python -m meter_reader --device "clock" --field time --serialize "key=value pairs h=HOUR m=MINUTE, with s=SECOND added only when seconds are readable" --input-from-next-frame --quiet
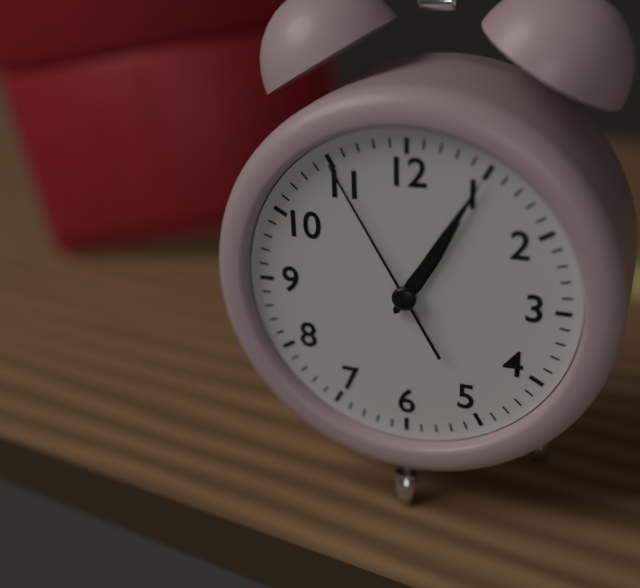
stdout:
h=1 m=5 s=55
